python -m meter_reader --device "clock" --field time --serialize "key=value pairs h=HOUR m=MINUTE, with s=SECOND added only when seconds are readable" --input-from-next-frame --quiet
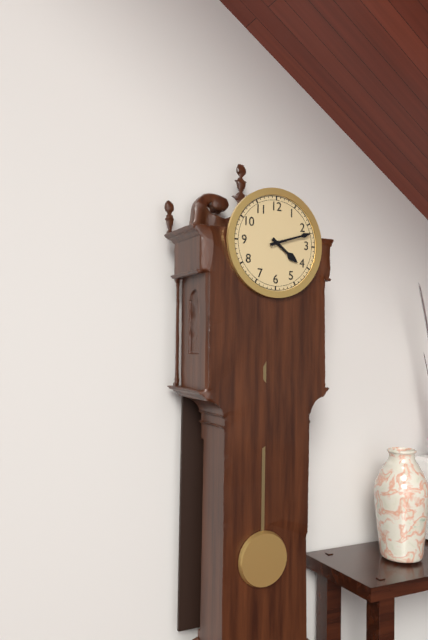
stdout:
h=4 m=12
